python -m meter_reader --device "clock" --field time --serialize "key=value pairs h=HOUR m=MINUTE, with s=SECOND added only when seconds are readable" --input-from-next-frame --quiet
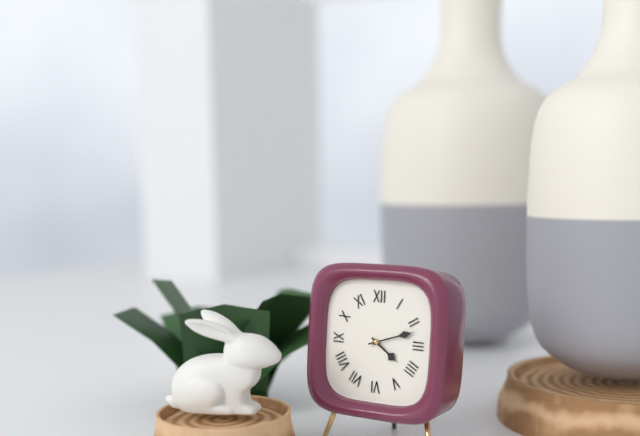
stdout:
h=4 m=12
